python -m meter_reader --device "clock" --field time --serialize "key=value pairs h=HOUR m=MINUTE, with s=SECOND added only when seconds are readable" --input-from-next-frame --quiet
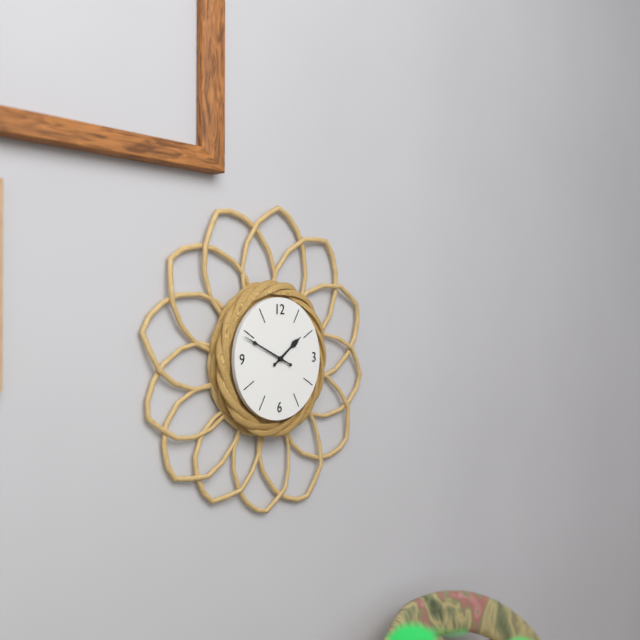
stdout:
h=1 m=49
